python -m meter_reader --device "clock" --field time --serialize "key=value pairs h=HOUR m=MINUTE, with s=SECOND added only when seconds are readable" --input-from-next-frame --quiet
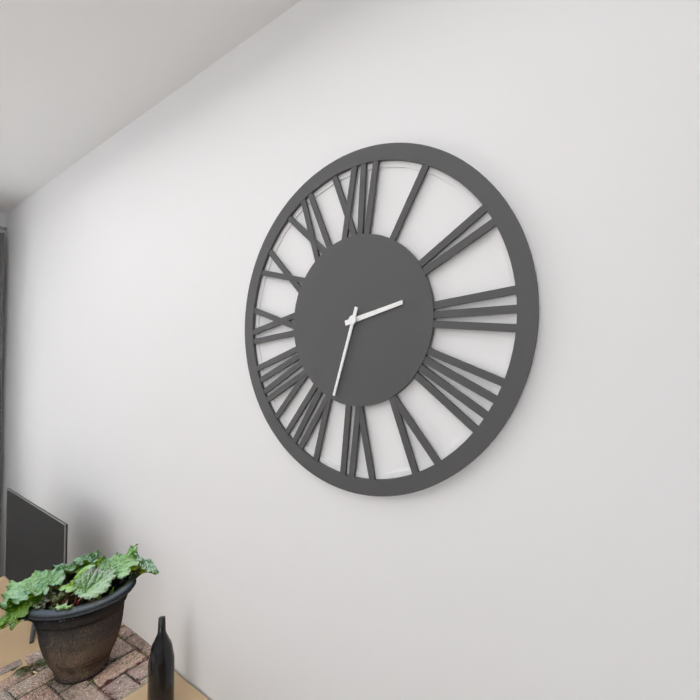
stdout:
h=2 m=33
